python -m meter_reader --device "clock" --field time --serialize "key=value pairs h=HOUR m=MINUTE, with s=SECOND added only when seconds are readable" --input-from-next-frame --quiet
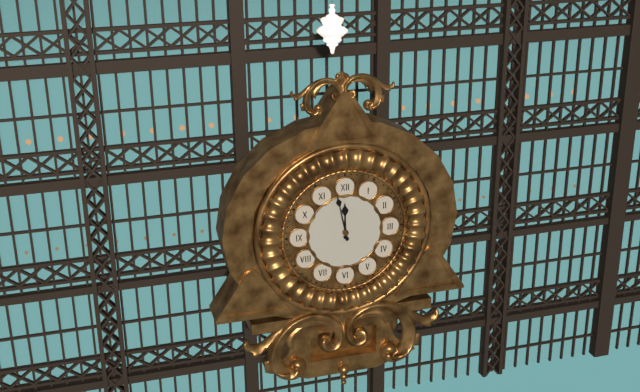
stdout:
h=11 m=58
